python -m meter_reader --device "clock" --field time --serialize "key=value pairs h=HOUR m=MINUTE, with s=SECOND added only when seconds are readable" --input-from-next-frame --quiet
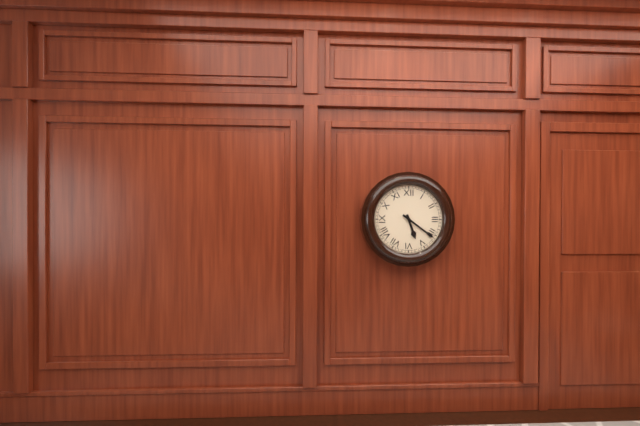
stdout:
h=5 m=21
